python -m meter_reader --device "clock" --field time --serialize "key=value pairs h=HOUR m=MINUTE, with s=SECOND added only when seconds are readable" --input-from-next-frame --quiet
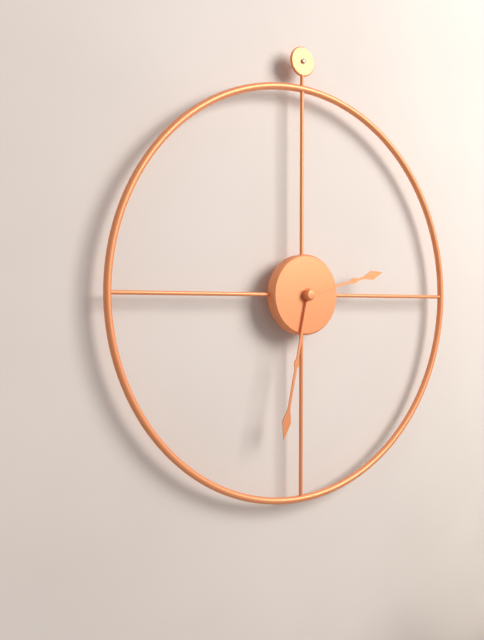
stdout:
h=2 m=32
